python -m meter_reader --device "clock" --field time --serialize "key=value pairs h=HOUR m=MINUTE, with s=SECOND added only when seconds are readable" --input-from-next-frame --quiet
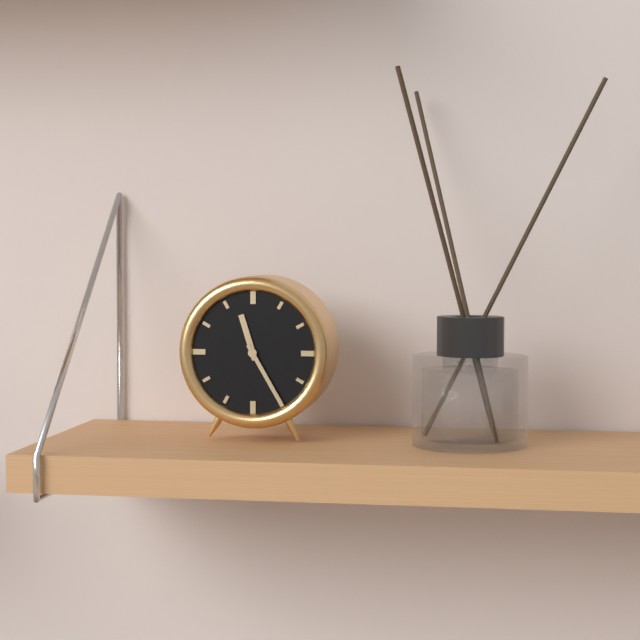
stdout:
h=11 m=25
